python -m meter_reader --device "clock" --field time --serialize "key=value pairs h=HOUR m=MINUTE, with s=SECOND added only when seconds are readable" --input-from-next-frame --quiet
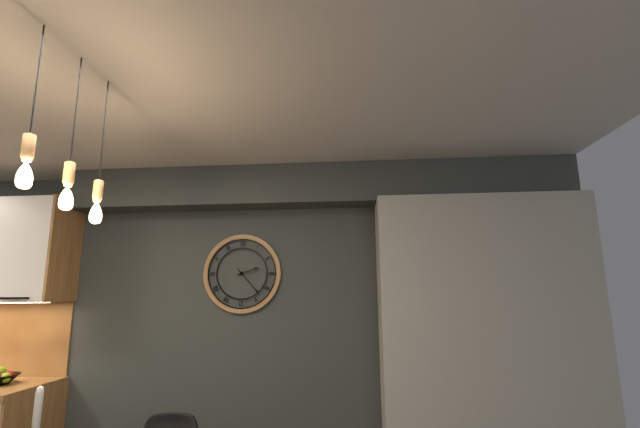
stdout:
h=2 m=23
